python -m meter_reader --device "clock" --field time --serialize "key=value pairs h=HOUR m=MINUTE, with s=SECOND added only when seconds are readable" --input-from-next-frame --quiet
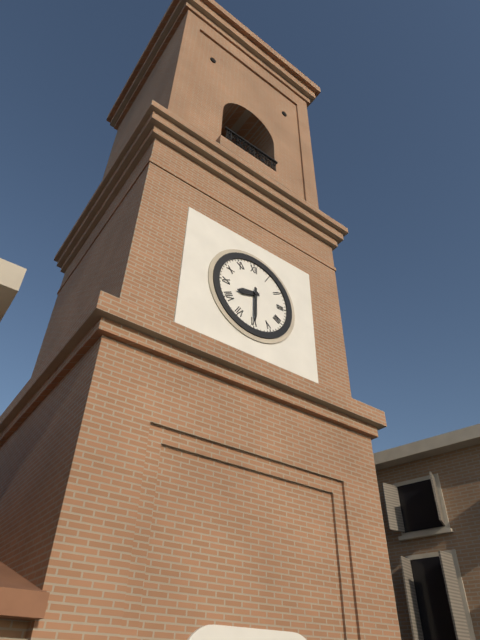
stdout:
h=8 m=30
